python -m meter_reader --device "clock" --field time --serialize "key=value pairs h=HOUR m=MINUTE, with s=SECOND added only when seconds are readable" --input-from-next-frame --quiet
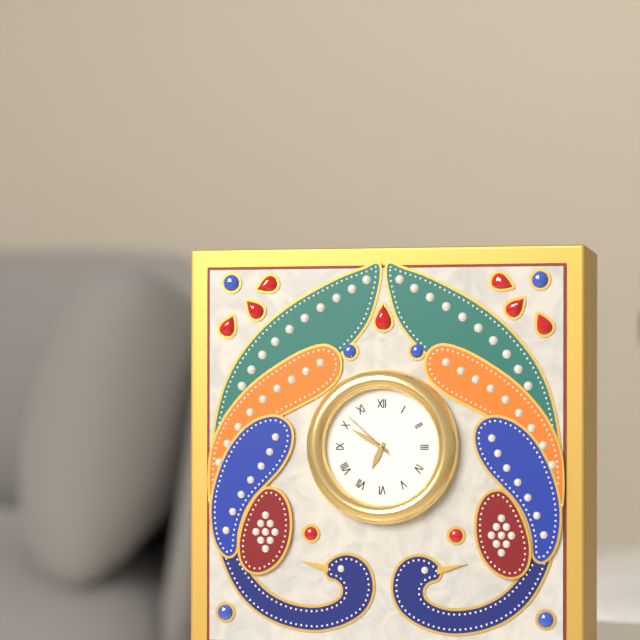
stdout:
h=6 m=50 s=52
